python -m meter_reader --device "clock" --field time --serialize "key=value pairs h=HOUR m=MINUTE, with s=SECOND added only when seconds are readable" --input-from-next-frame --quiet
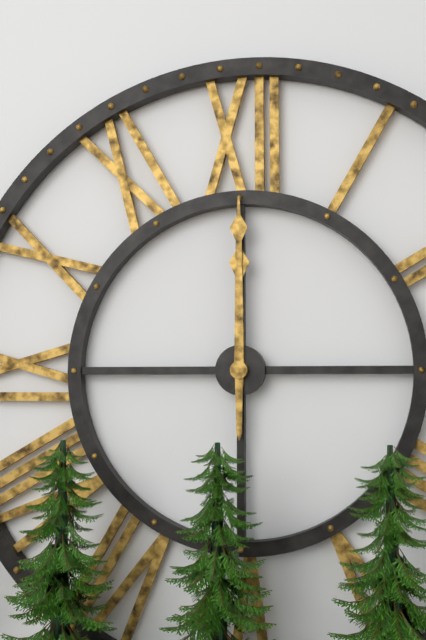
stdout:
h=12 m=0
